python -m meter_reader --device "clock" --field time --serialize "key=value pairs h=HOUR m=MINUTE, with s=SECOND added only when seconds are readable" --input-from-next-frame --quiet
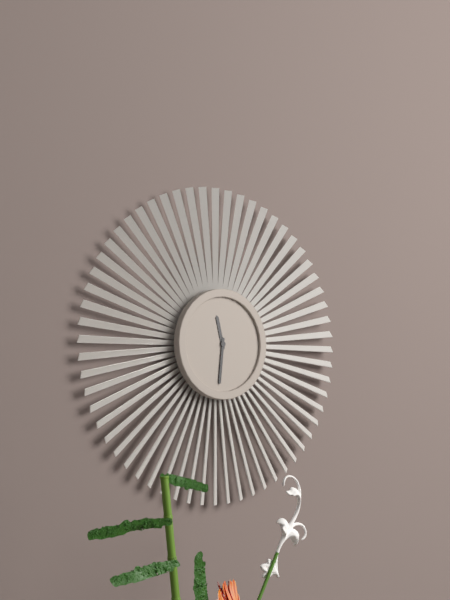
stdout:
h=11 m=31
